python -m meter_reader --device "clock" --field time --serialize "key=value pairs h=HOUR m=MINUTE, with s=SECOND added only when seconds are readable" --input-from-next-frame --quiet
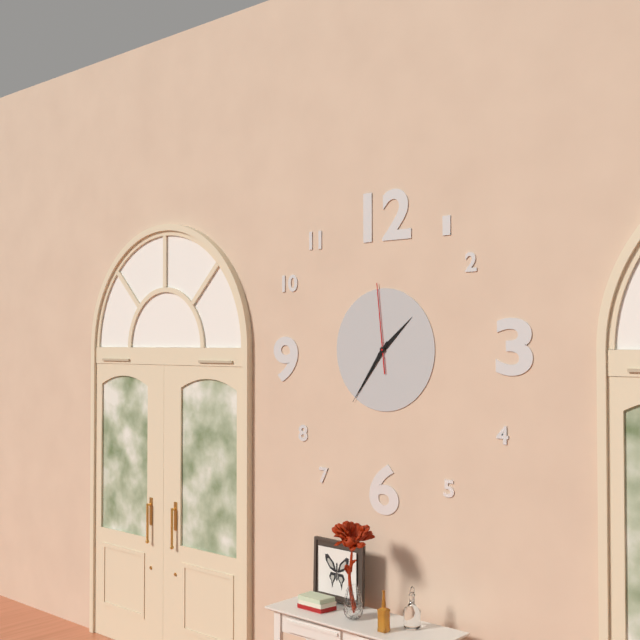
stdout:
h=1 m=36 s=59
